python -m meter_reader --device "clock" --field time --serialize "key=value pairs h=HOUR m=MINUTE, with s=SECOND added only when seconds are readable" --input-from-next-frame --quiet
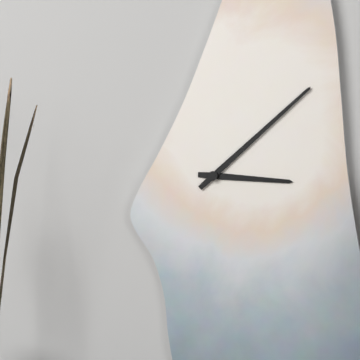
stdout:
h=3 m=8
